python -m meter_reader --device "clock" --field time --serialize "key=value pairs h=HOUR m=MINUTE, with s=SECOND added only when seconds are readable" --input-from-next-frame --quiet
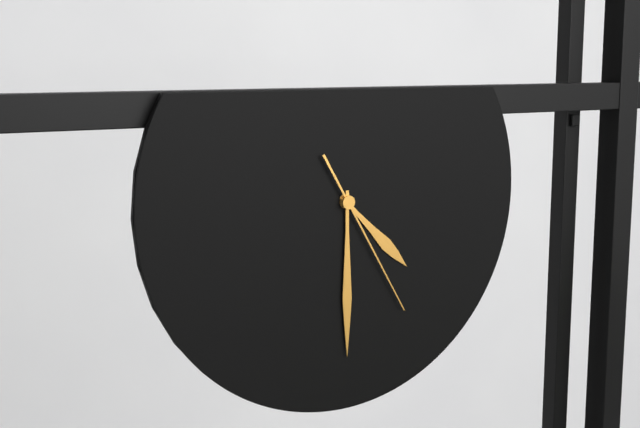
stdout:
h=4 m=30 s=25
